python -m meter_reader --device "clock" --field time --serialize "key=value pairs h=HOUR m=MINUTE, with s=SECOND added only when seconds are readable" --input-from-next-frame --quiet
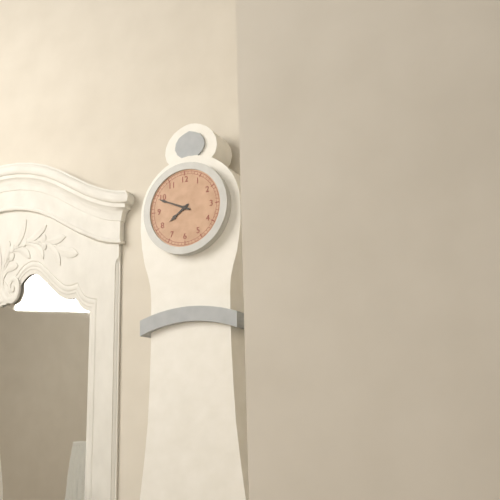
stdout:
h=7 m=49
